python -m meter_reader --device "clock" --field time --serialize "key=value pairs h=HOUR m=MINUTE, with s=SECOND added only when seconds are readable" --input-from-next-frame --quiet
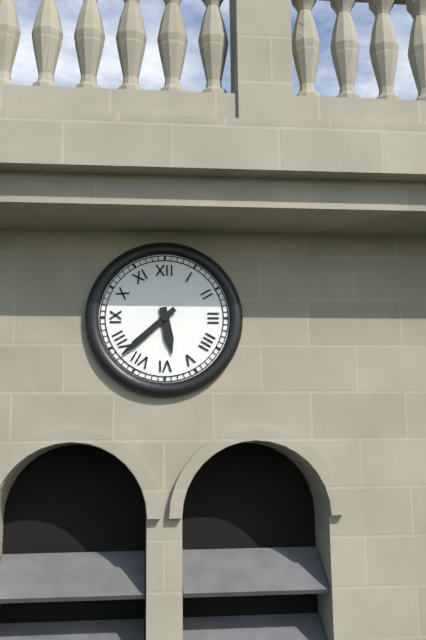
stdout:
h=5 m=38
